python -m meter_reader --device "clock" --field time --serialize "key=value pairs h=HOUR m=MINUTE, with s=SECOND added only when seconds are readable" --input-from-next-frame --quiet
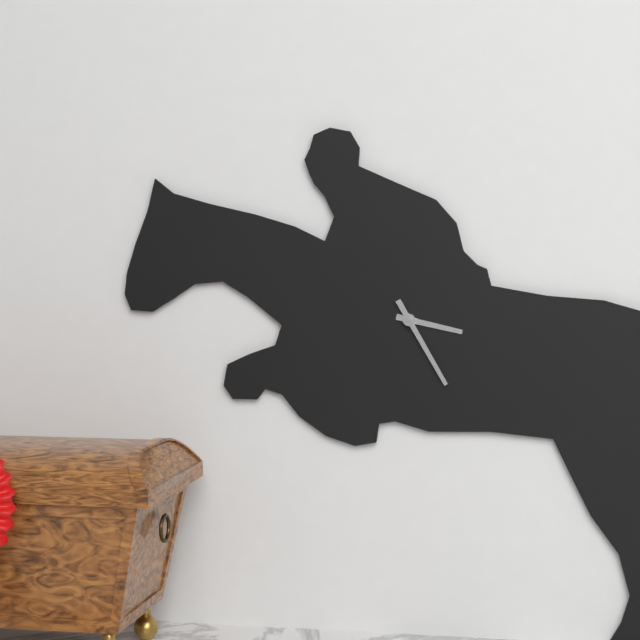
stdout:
h=3 m=25
